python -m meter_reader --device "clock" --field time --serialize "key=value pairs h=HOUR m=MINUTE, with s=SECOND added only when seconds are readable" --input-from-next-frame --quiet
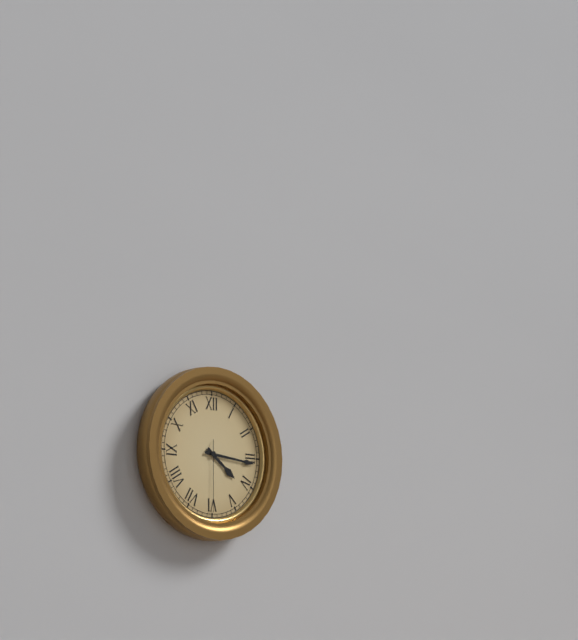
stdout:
h=4 m=16 s=30
